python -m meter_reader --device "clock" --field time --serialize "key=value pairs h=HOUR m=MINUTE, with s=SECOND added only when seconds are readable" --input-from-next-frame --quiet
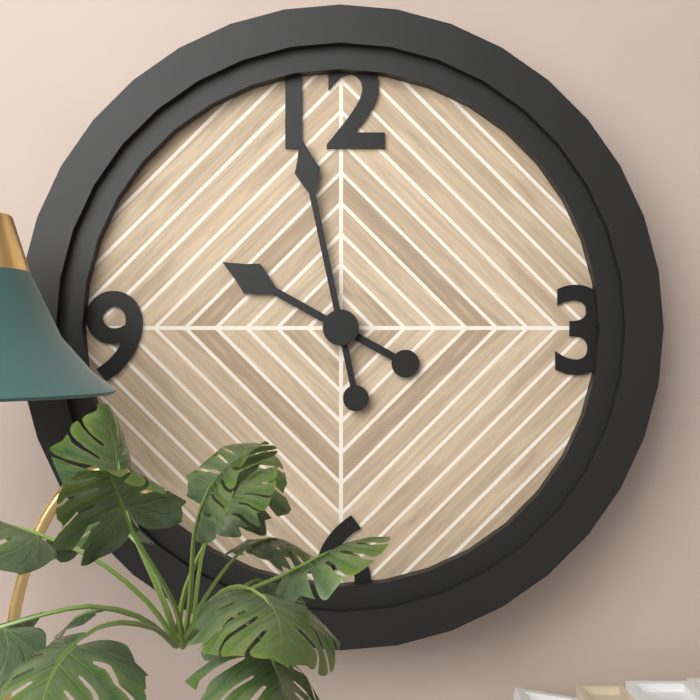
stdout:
h=9 m=58
